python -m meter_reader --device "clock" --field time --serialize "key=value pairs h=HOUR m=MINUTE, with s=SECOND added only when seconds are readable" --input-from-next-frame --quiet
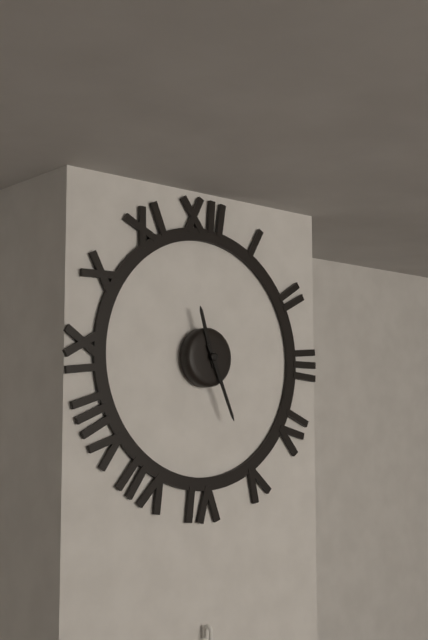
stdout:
h=11 m=26
